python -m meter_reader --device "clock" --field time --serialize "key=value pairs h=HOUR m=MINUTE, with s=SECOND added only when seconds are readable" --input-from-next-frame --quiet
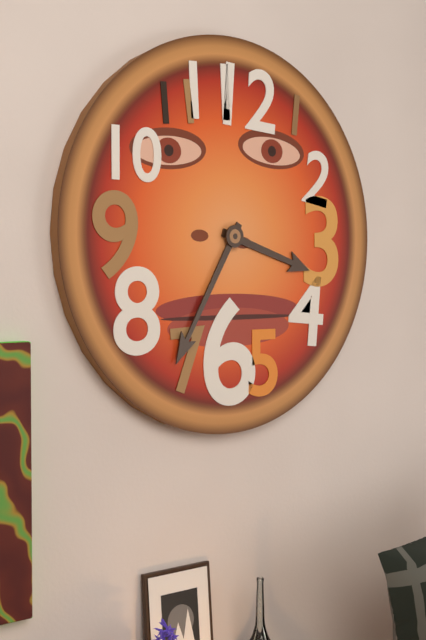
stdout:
h=3 m=35
